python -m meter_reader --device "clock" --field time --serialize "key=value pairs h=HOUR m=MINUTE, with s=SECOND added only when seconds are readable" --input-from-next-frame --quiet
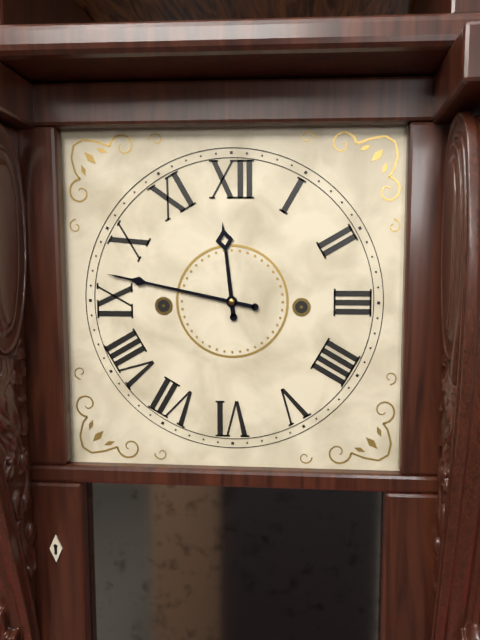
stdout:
h=11 m=47
